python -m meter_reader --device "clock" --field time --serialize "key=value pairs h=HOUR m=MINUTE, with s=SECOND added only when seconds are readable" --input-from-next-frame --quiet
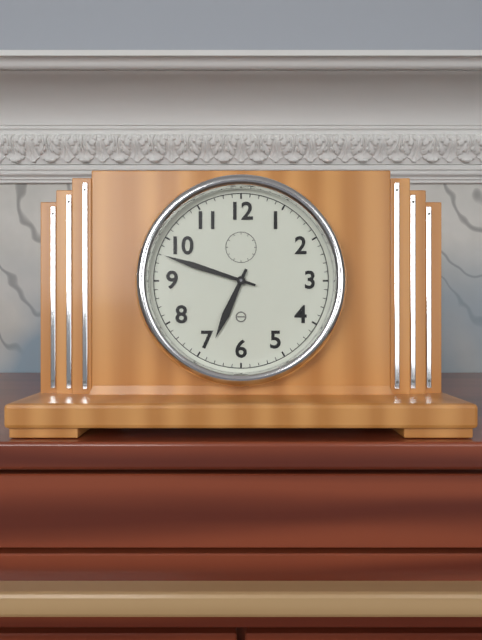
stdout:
h=6 m=48
